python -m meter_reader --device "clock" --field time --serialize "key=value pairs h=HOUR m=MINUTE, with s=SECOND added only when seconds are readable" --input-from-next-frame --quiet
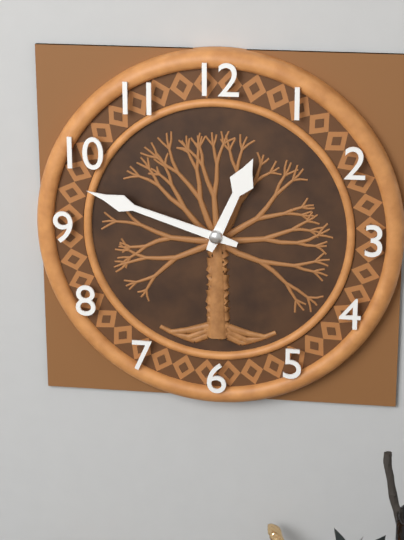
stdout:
h=12 m=48
